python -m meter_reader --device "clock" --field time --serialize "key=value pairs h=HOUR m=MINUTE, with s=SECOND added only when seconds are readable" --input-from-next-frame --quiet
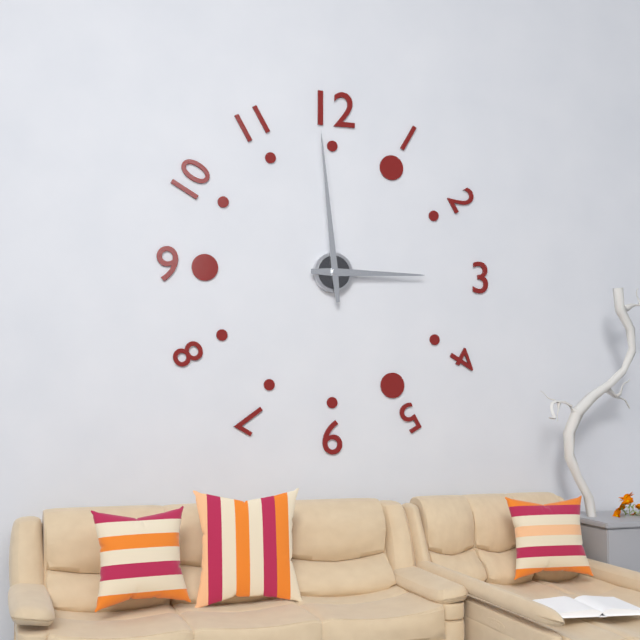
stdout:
h=2 m=59
